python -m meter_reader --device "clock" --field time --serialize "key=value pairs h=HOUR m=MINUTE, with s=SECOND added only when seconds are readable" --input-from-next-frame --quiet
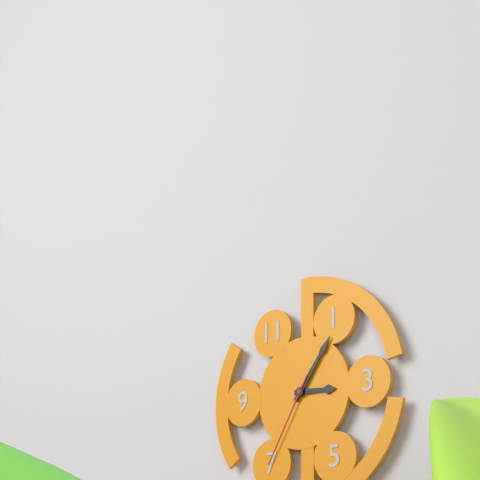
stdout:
h=3 m=6 s=35
